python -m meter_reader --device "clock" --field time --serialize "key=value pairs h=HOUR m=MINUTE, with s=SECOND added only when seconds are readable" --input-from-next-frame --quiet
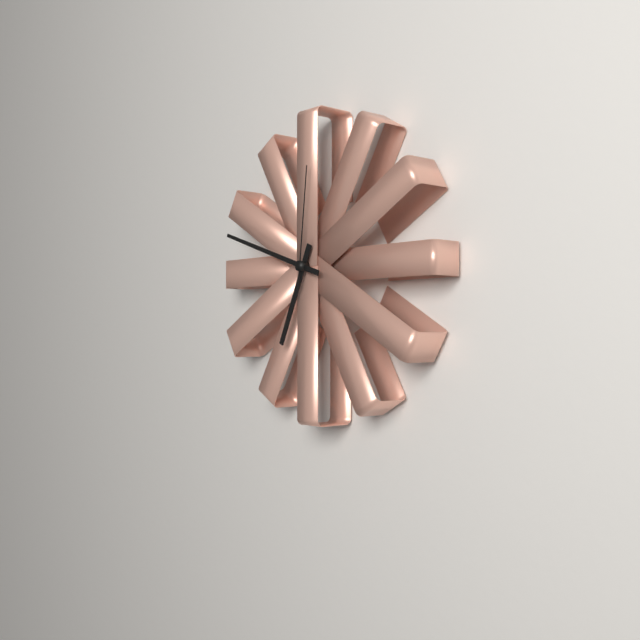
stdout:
h=6 m=48 s=1
